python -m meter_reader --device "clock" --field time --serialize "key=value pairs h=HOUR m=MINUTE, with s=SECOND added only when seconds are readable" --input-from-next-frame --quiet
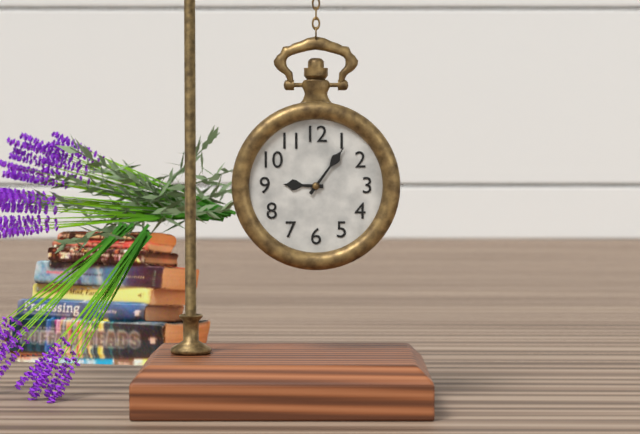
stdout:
h=9 m=6
